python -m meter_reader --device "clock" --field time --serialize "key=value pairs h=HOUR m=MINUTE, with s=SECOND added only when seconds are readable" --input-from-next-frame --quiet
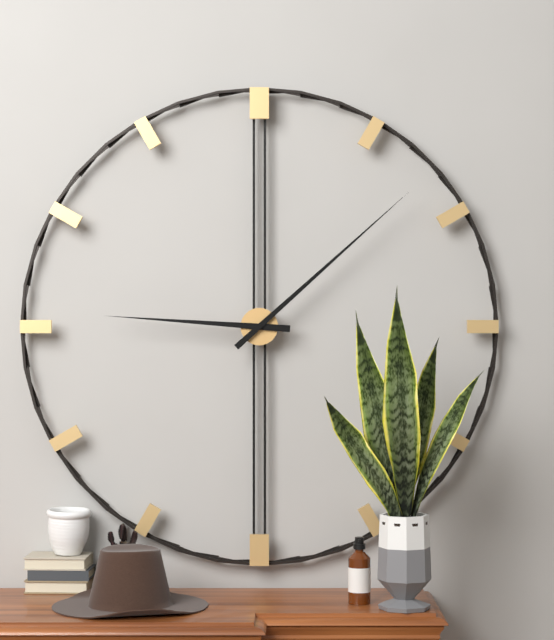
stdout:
h=9 m=8
